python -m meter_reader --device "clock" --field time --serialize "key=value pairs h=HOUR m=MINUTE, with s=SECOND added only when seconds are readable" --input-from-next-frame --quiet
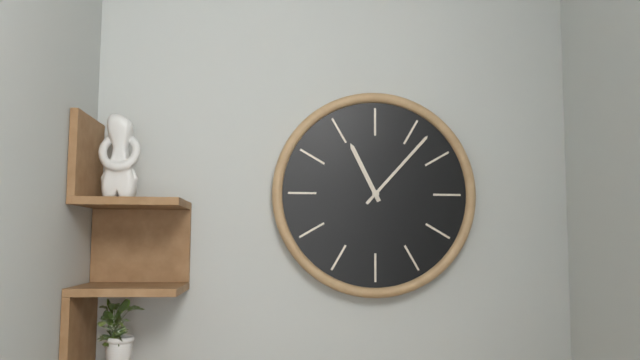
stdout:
h=11 m=7
